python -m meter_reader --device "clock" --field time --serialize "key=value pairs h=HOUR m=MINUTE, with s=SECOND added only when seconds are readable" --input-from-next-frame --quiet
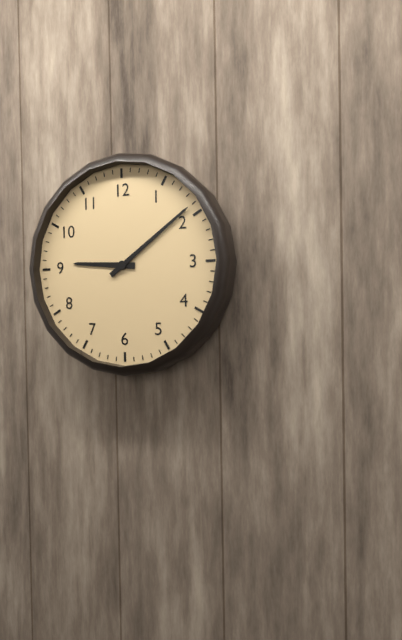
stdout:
h=9 m=9
